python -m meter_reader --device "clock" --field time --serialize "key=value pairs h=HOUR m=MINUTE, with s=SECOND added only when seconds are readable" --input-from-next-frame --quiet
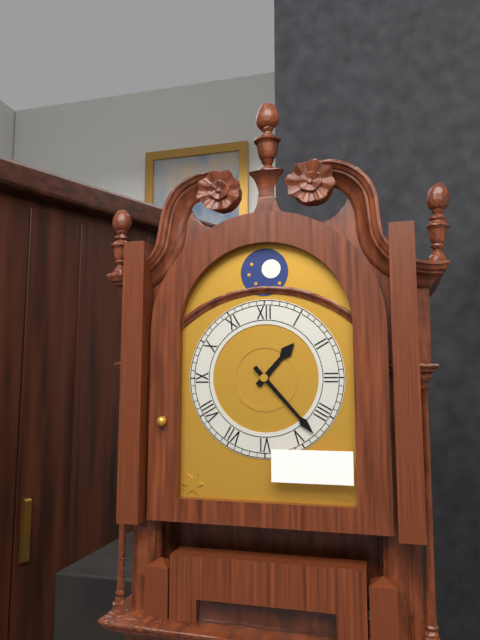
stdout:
h=1 m=23
